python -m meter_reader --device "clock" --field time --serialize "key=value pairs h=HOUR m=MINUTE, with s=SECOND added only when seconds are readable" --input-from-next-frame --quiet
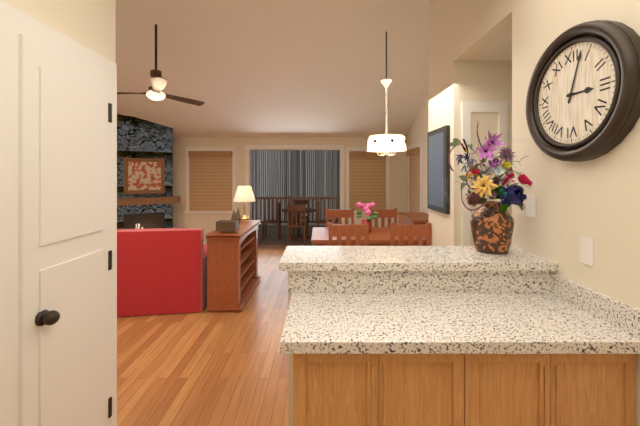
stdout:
h=3 m=3
